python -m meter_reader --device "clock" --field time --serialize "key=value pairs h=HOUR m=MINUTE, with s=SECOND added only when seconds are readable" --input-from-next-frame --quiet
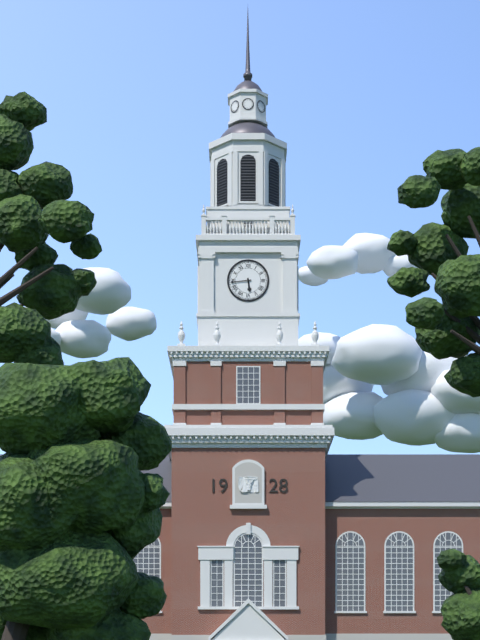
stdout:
h=5 m=44
